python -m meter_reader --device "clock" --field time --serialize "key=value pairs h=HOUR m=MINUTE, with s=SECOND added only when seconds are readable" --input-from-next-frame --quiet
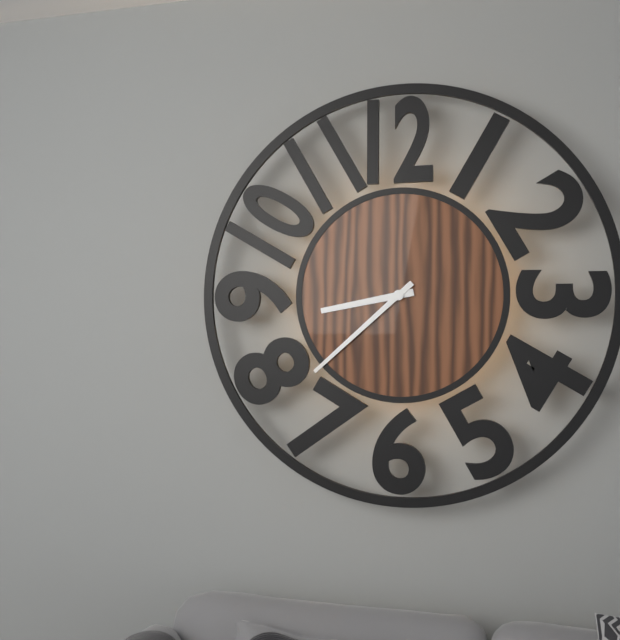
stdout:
h=8 m=38
